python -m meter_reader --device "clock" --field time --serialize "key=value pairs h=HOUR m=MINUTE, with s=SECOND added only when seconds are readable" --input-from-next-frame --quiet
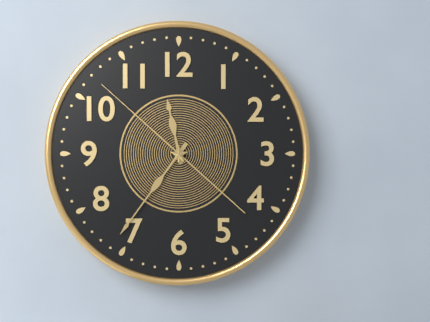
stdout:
h=11 m=36 s=52
